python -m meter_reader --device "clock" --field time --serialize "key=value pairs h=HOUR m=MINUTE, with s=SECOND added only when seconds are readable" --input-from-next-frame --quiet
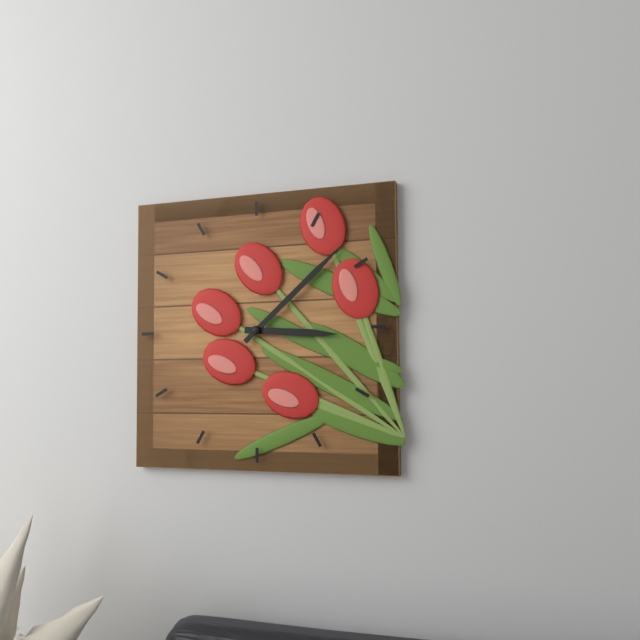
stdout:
h=3 m=8
